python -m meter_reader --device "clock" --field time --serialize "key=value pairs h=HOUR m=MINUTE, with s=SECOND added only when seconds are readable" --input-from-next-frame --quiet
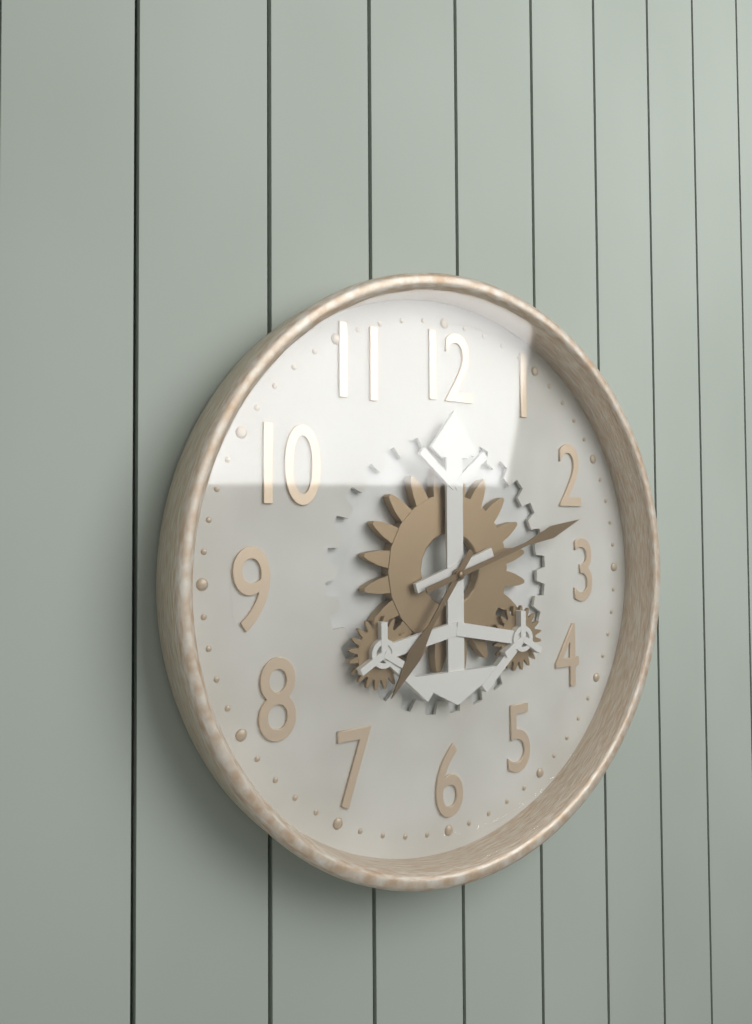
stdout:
h=7 m=12
